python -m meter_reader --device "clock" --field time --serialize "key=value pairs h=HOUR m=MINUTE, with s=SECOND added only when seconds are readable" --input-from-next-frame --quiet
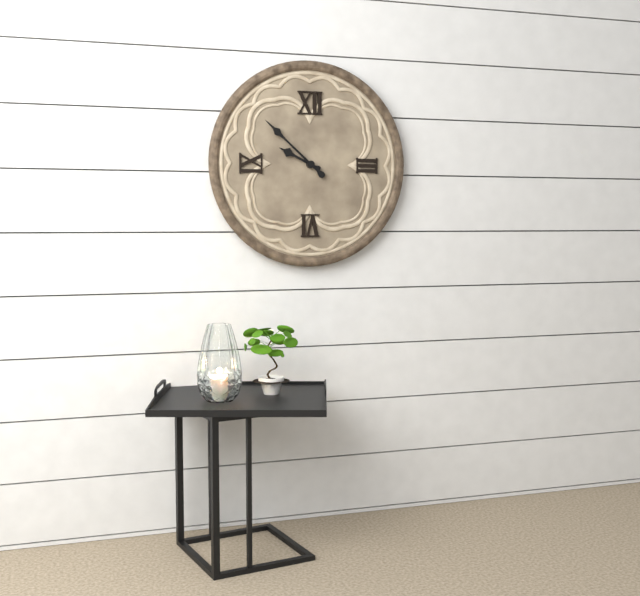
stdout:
h=9 m=52
